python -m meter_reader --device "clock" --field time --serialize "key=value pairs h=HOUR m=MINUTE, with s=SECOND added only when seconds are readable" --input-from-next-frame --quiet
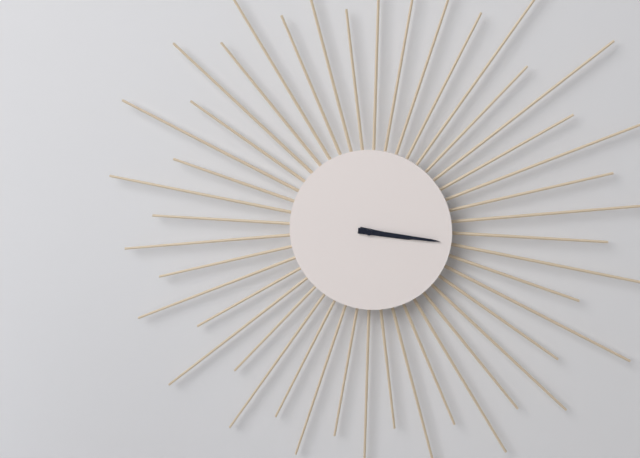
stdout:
h=3 m=16
